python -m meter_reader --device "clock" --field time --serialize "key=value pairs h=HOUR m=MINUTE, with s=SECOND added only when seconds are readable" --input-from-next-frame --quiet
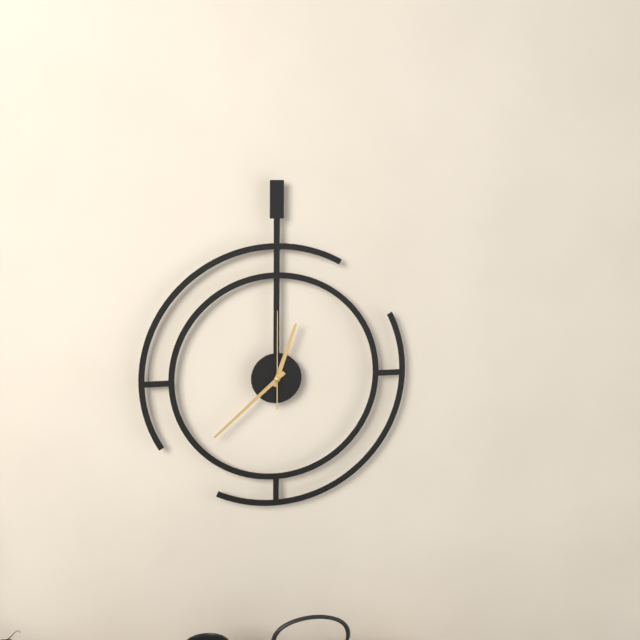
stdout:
h=12 m=38 s=0
